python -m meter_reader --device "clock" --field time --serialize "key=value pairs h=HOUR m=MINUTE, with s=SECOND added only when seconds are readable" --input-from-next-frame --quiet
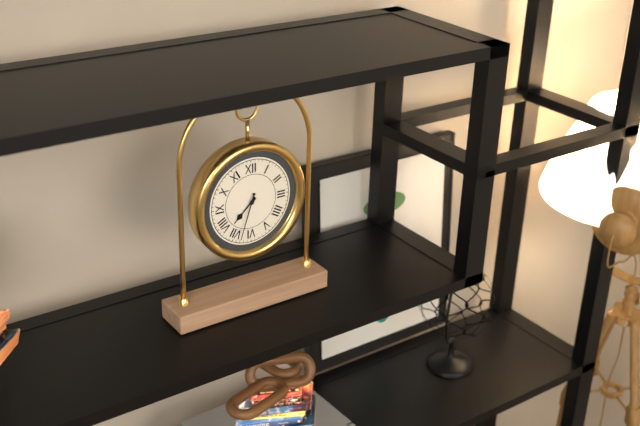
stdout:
h=7 m=33
